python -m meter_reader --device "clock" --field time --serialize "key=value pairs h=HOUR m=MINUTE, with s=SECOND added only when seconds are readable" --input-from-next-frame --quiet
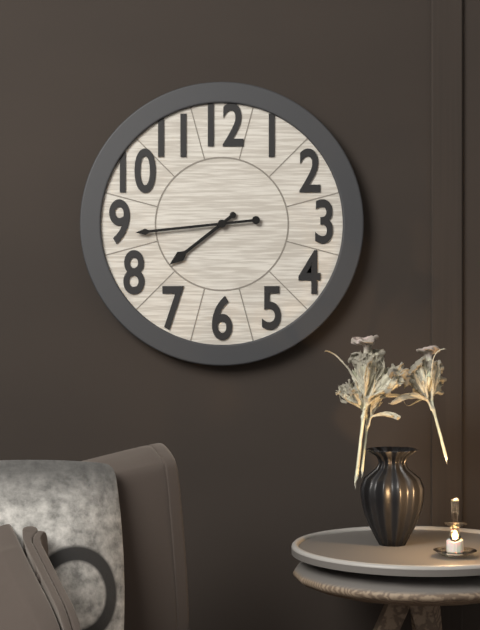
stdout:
h=7 m=44
